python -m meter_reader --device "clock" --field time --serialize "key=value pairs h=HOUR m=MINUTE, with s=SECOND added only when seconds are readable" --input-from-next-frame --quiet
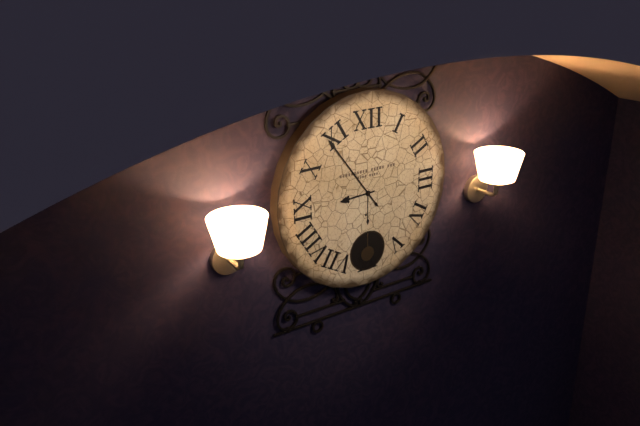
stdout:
h=8 m=54
